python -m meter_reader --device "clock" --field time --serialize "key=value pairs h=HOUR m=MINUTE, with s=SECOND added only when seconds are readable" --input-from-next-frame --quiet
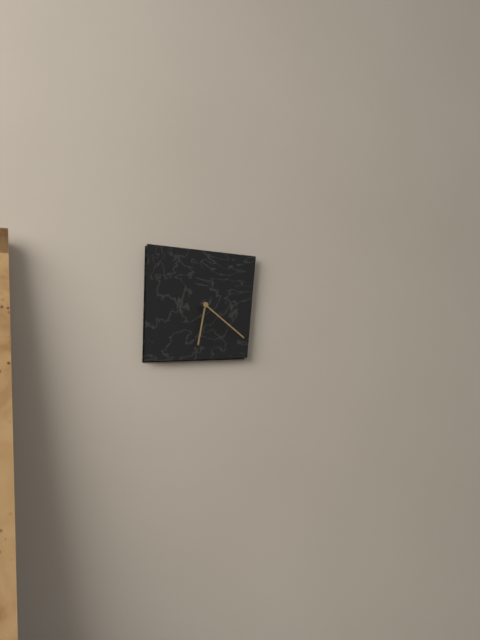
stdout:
h=6 m=21
